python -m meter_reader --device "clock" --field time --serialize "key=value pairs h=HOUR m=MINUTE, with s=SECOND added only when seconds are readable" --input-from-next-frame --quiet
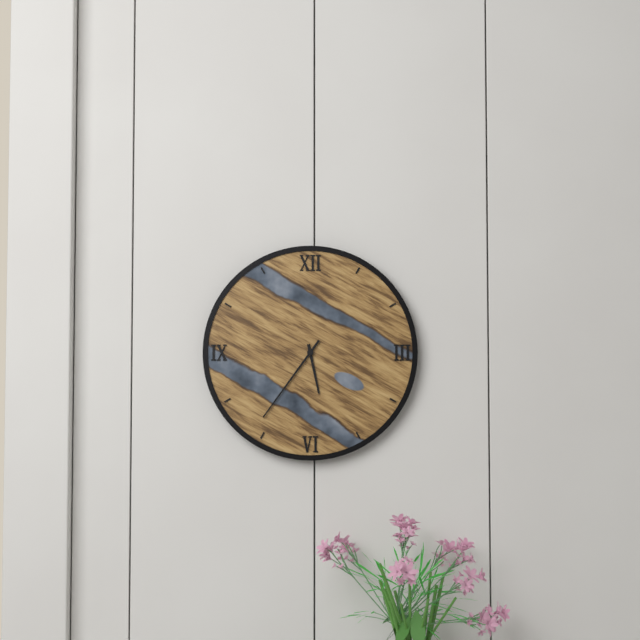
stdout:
h=5 m=36
